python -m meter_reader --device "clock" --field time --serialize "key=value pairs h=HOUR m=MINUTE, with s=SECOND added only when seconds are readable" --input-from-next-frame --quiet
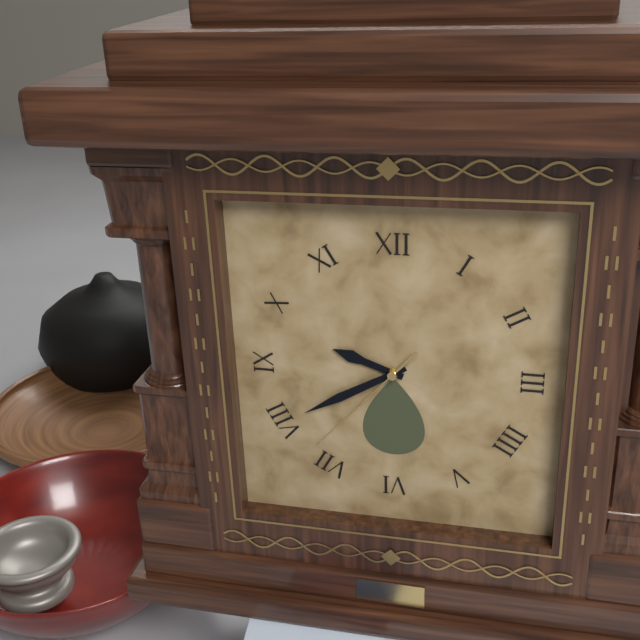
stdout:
h=9 m=40 s=37
